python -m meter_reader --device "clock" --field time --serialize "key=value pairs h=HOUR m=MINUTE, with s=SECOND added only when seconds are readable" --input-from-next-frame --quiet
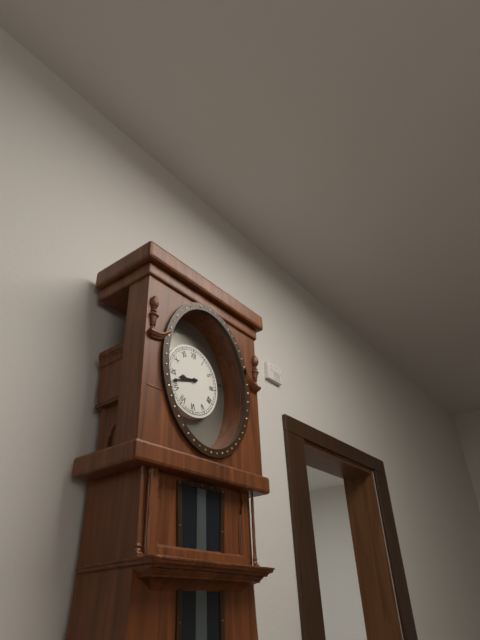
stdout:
h=8 m=42
